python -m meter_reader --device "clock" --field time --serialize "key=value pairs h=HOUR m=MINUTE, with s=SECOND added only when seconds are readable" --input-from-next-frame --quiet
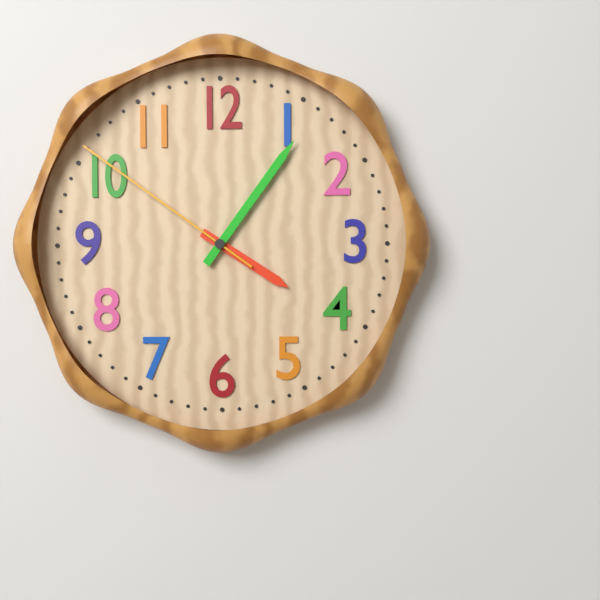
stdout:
h=4 m=6 s=51
